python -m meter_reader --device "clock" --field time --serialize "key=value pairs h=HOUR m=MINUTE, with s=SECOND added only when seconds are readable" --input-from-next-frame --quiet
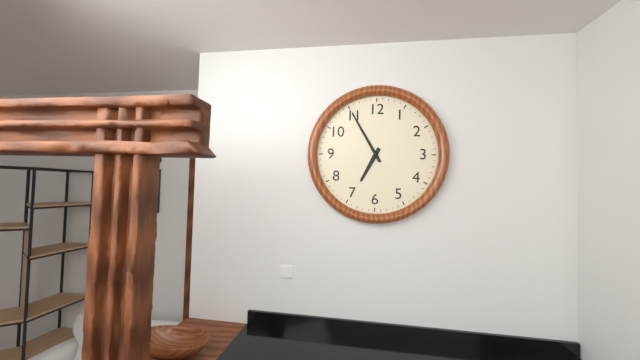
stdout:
h=6 m=55
